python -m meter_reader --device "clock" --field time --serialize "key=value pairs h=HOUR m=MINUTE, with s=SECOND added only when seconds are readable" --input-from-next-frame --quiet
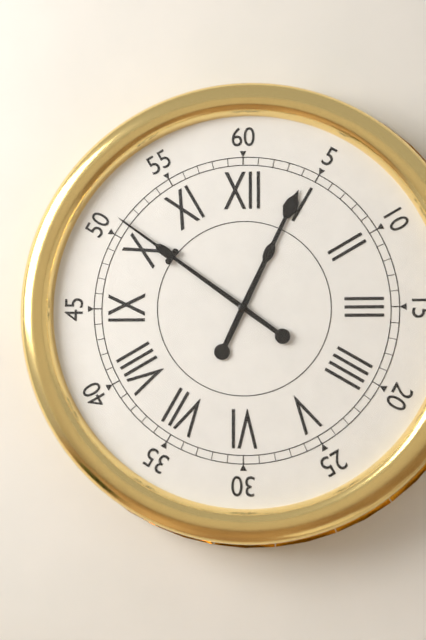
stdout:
h=12 m=51
